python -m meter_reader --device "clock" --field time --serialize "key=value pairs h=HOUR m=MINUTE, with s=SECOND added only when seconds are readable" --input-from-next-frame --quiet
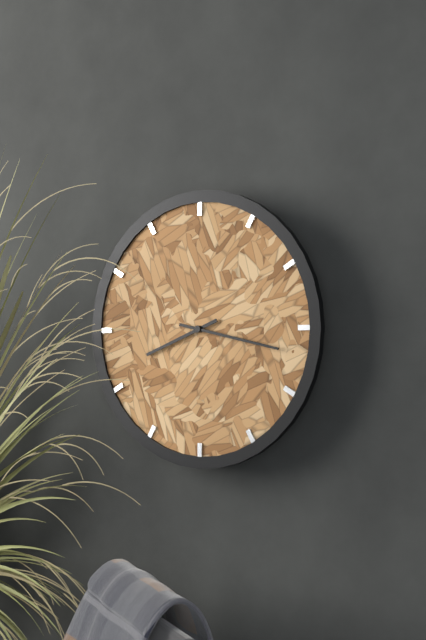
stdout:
h=8 m=17
